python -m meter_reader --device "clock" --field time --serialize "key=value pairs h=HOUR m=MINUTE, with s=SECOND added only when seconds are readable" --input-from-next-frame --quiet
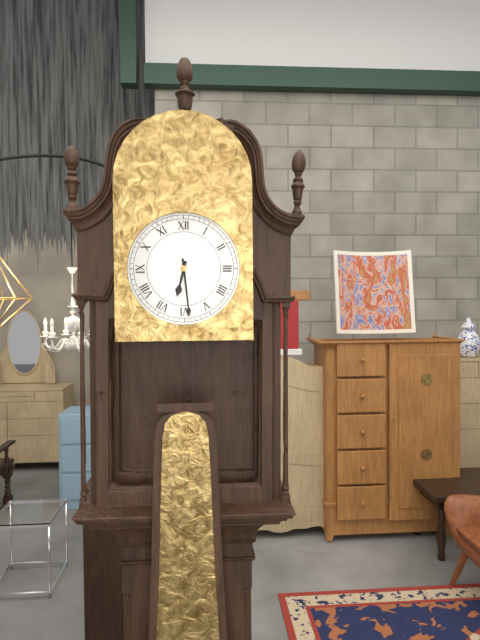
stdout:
h=6 m=29
